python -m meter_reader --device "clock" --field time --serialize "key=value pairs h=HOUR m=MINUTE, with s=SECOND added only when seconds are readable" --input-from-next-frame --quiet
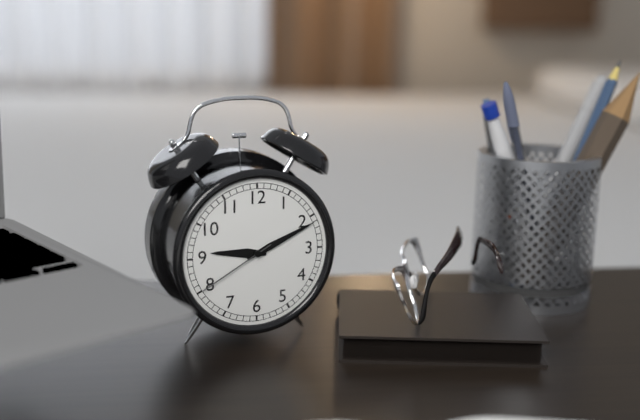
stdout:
h=9 m=11 s=40
